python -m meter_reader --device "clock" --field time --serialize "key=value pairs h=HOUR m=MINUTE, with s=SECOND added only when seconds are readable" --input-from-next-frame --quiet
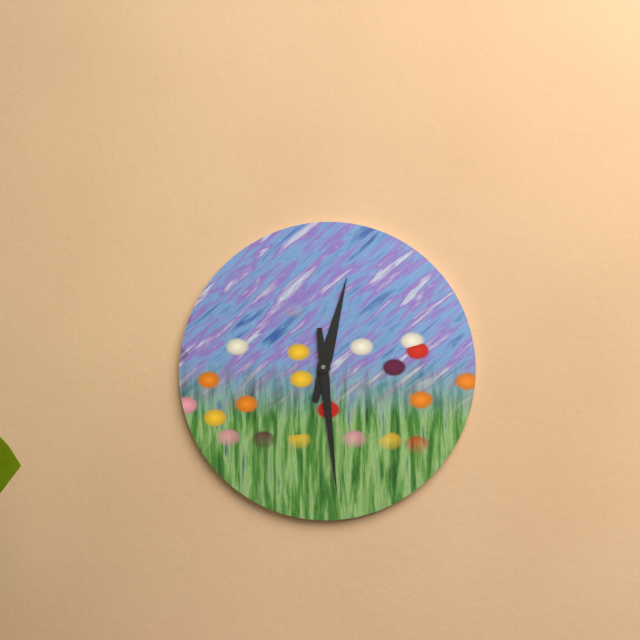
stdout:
h=12 m=29
